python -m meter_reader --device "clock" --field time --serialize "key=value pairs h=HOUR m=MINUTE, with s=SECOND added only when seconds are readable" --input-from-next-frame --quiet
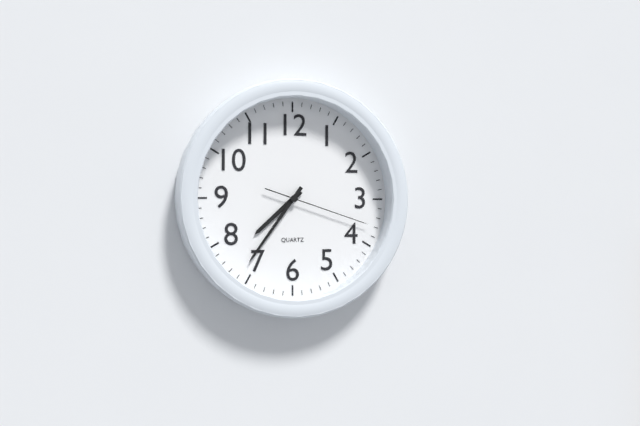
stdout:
h=7 m=36 s=18
